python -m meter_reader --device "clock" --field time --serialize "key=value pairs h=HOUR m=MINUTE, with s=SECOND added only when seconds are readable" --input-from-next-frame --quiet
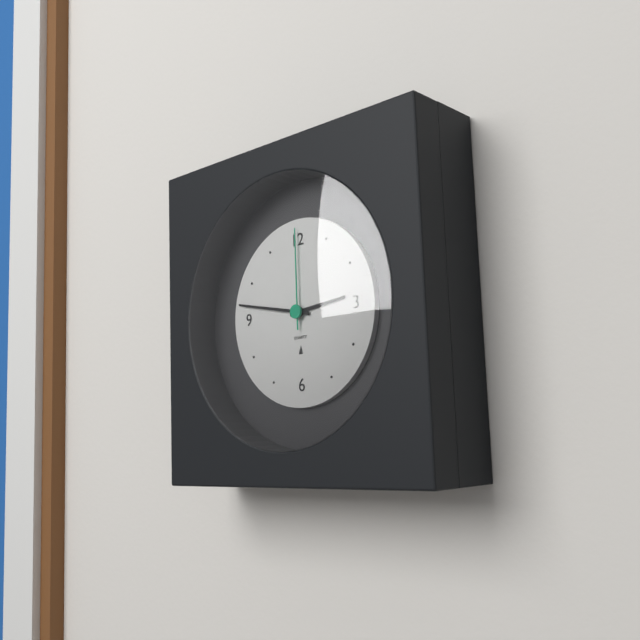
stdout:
h=2 m=47 s=0
